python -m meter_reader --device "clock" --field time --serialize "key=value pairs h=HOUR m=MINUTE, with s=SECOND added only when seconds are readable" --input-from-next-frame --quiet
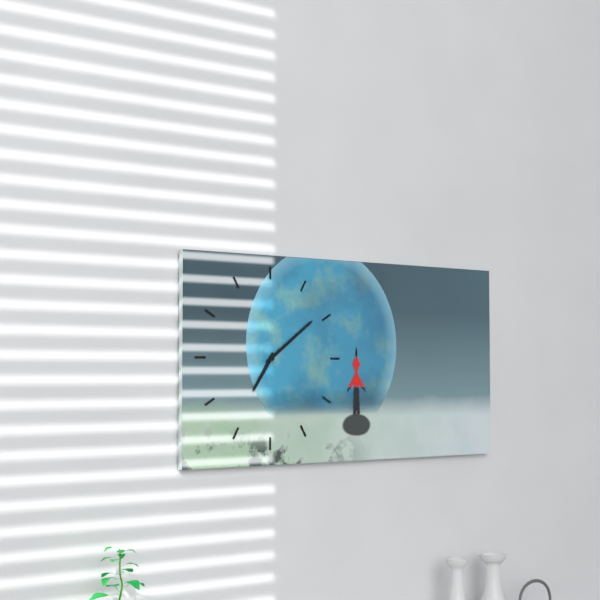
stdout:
h=7 m=9
